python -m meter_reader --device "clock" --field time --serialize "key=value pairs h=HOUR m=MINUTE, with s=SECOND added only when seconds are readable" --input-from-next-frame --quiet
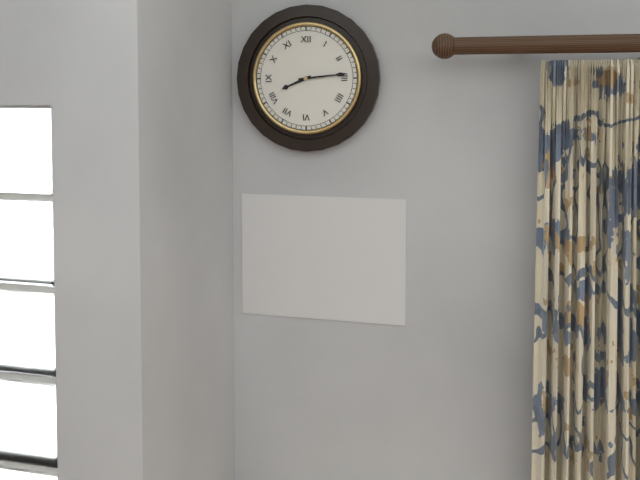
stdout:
h=8 m=14
